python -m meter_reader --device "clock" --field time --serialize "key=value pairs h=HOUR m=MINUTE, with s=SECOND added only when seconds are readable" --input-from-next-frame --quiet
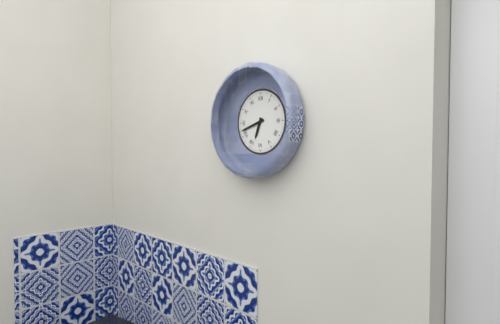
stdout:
h=6 m=42
